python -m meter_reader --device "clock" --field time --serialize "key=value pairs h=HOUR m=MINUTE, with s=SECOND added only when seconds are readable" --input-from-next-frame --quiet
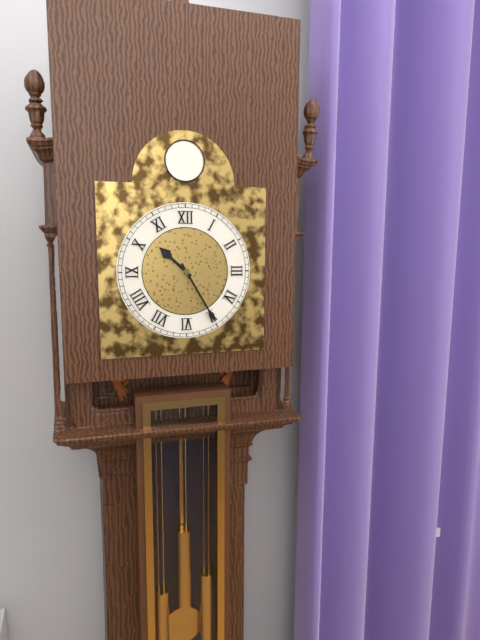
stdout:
h=10 m=25
